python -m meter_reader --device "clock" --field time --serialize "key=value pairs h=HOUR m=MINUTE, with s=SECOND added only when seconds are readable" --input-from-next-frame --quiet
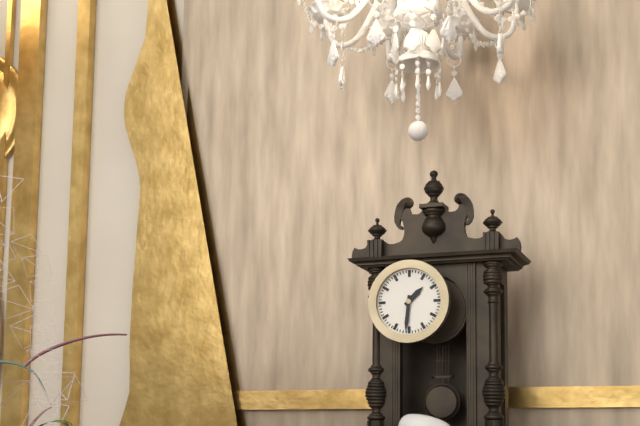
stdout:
h=1 m=31
